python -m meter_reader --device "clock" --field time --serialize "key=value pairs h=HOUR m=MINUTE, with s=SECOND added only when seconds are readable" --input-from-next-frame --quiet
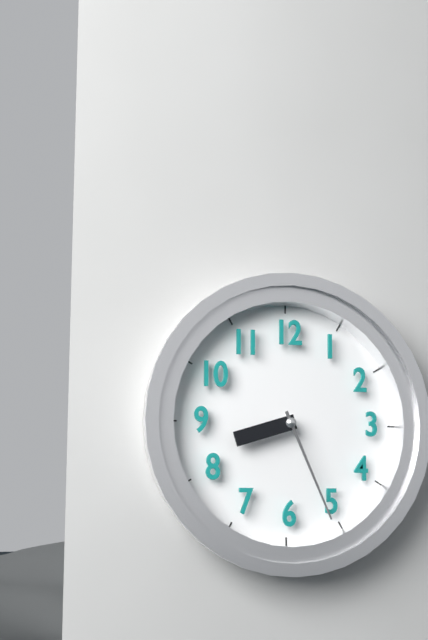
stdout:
h=8 m=26
